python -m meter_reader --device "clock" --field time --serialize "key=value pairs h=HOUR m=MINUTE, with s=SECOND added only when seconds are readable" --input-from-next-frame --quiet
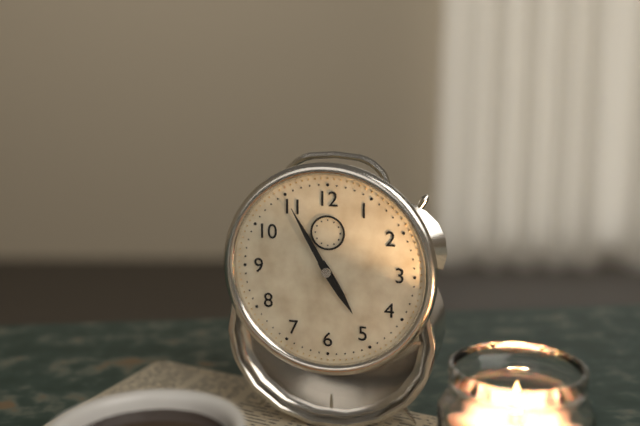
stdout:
h=4 m=55
